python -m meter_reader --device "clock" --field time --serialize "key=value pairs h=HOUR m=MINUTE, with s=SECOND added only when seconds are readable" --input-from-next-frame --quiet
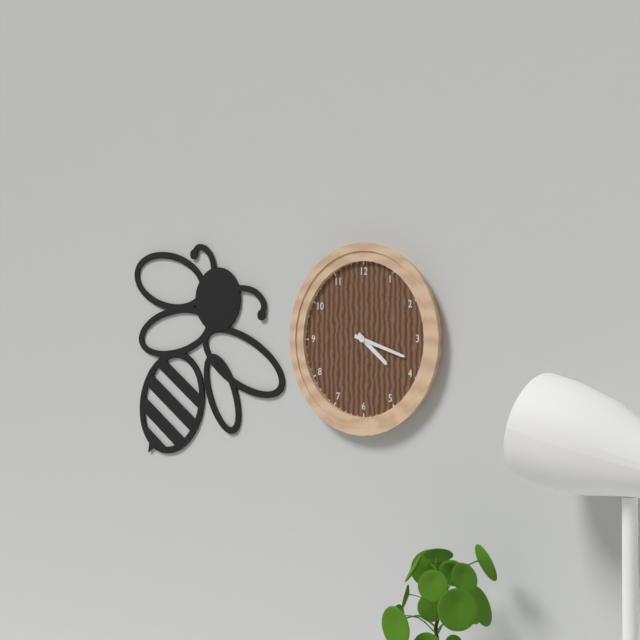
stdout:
h=4 m=18
